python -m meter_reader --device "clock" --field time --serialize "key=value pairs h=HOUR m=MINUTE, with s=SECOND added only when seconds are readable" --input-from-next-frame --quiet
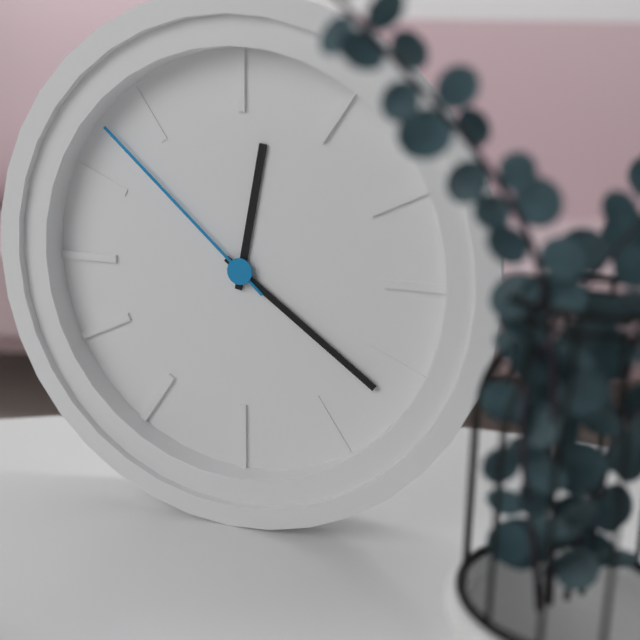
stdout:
h=12 m=21 s=52
